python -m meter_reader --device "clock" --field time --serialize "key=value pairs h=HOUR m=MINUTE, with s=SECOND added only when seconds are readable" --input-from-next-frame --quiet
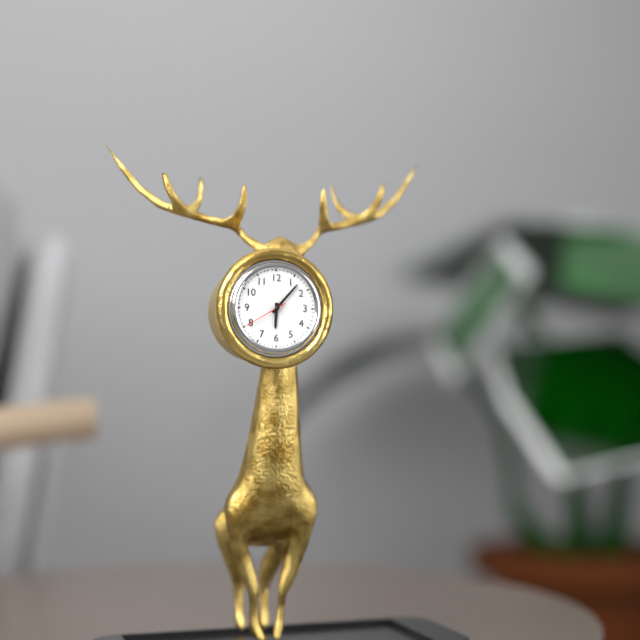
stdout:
h=6 m=7
